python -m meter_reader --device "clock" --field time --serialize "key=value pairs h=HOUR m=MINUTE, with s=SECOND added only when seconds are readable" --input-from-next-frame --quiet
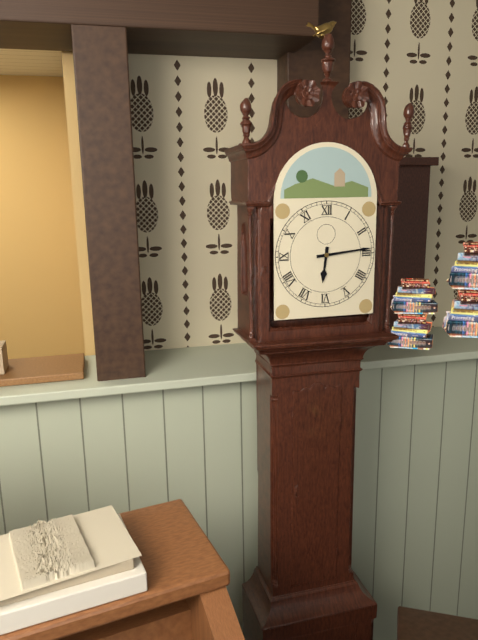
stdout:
h=6 m=14
